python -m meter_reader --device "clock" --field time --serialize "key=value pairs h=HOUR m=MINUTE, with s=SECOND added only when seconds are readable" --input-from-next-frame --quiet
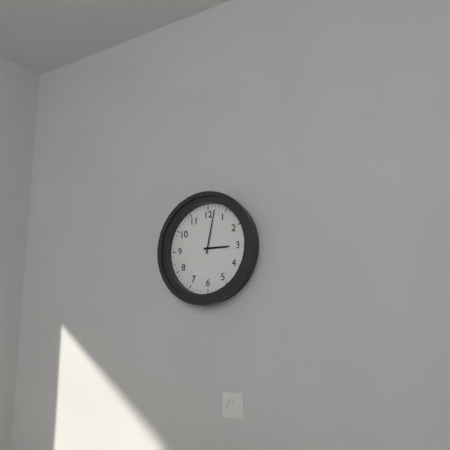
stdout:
h=3 m=2
